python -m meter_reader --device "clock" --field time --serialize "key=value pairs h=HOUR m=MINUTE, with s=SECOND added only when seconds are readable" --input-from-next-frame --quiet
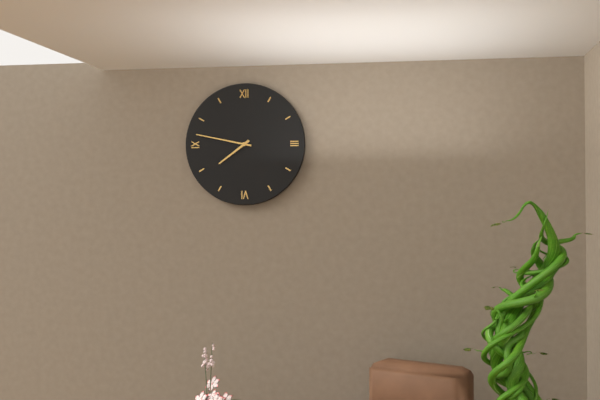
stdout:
h=7 m=47
